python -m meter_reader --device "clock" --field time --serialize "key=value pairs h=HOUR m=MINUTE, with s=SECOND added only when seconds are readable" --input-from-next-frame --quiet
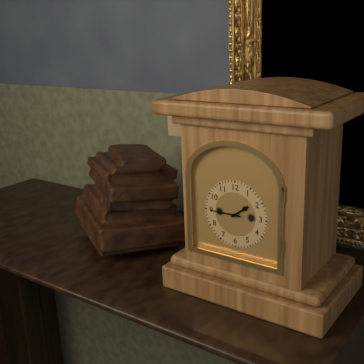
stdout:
h=1 m=45
